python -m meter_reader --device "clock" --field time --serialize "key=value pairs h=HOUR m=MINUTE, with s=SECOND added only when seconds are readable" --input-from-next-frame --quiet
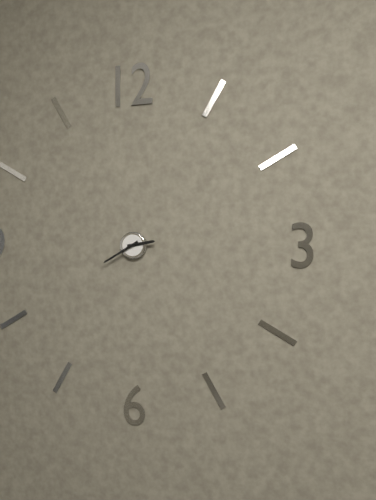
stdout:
h=2 m=40
